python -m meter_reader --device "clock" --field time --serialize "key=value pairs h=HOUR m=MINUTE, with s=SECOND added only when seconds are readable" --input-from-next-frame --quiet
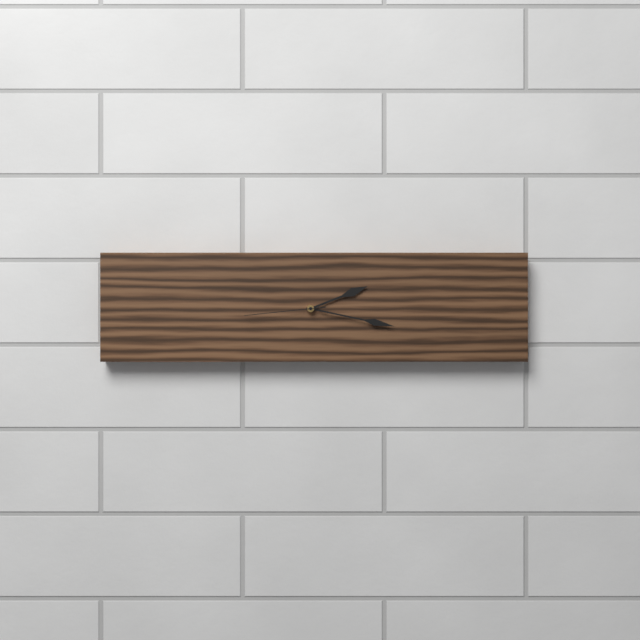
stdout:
h=2 m=17 s=44
